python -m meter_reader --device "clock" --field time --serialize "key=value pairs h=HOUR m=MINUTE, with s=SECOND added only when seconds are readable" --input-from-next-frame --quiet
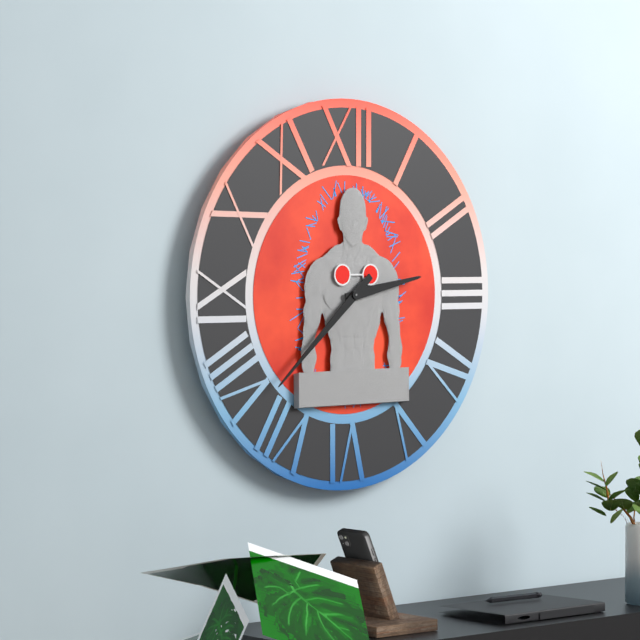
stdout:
h=2 m=38
